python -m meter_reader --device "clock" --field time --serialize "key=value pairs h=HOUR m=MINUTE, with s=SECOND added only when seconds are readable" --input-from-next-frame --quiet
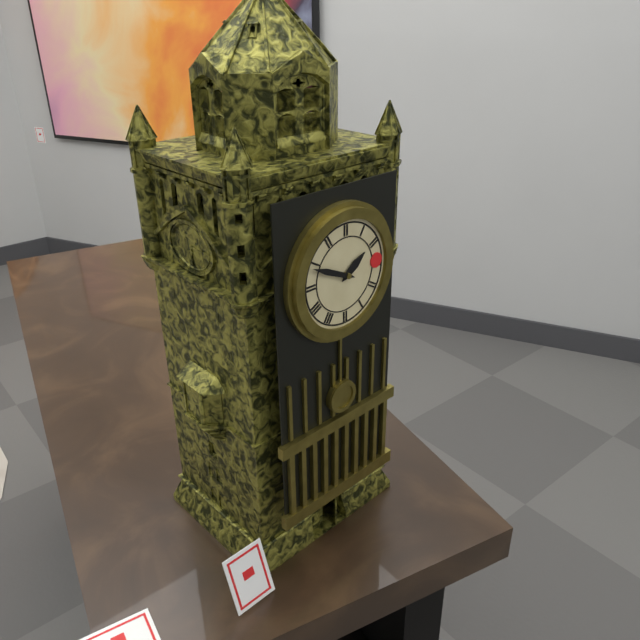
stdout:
h=1 m=49
